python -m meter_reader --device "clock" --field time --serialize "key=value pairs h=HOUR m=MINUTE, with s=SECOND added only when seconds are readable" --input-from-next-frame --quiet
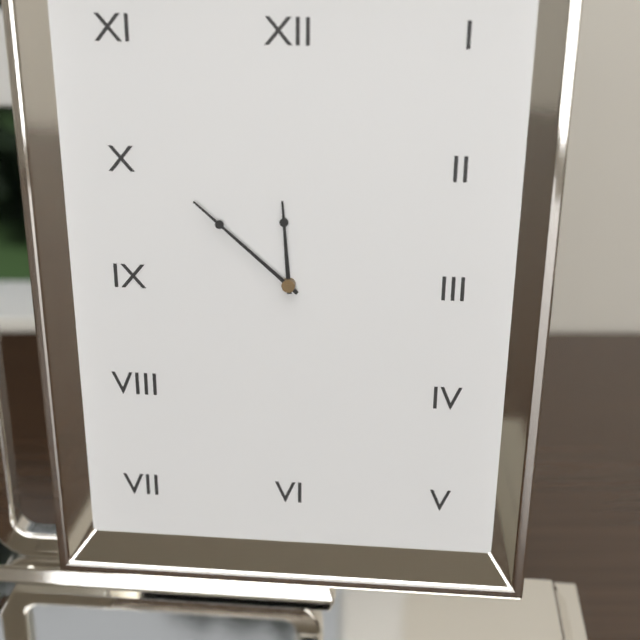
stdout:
h=11 m=52
